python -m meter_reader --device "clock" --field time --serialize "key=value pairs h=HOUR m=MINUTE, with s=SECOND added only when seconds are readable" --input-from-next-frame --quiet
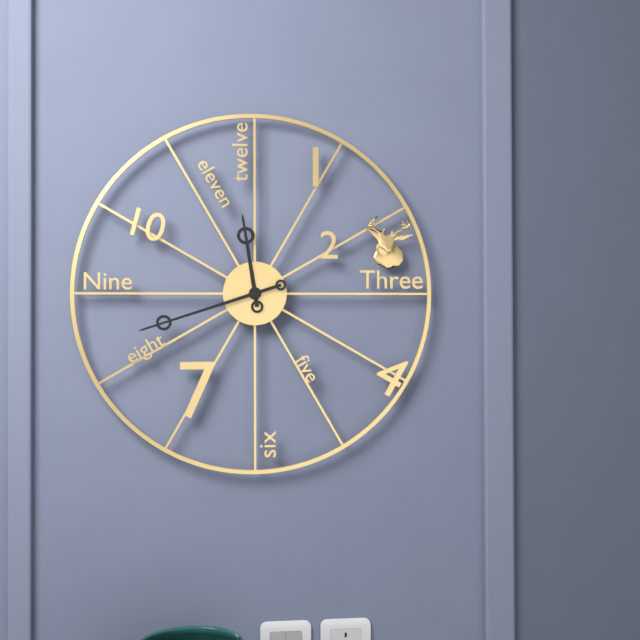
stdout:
h=11 m=42
